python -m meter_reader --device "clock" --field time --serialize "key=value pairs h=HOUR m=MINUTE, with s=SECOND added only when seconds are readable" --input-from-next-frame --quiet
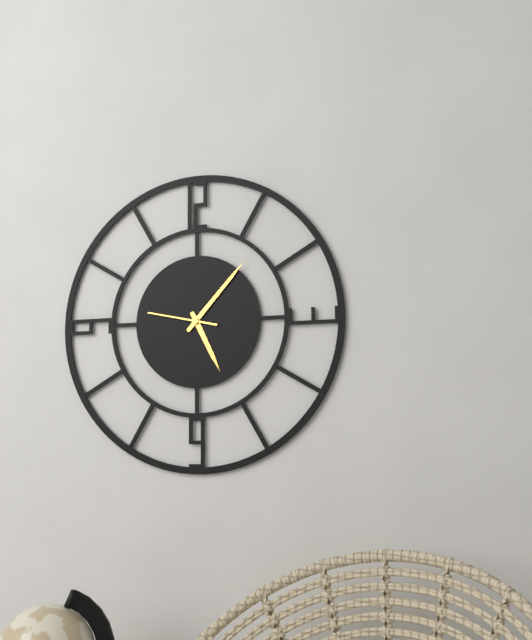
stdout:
h=5 m=7 s=47
